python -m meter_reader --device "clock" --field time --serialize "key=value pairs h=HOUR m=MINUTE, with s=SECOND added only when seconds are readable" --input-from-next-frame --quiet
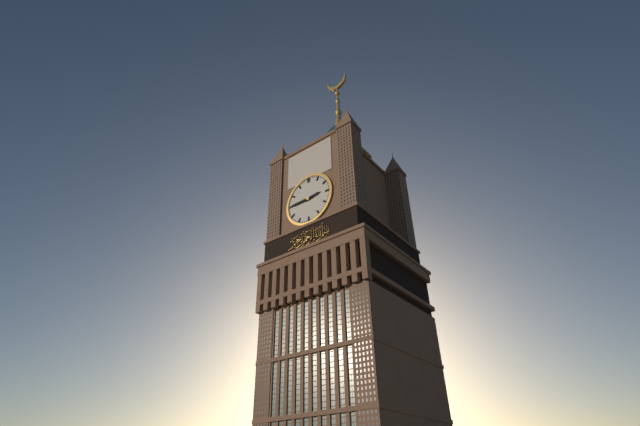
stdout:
h=2 m=45
